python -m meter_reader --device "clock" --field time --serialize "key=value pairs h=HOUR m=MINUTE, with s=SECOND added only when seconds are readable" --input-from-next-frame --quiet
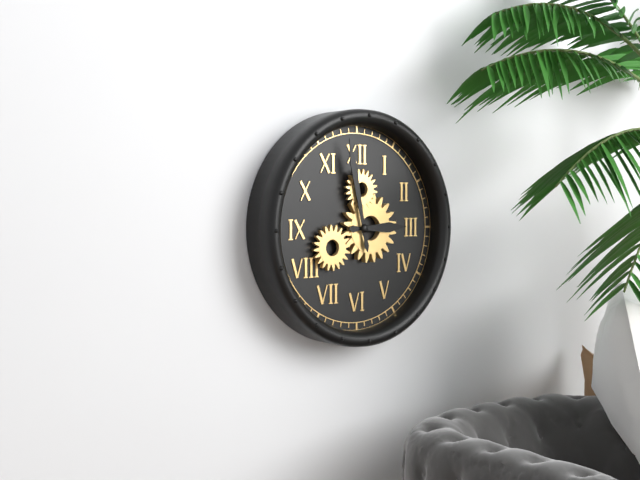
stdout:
h=2 m=58
